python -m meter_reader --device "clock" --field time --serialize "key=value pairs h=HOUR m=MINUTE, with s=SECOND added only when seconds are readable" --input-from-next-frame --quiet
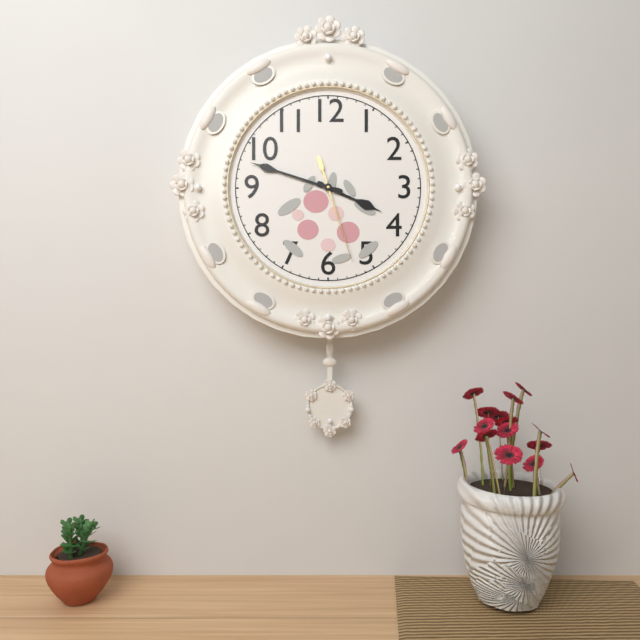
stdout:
h=3 m=48 s=27
